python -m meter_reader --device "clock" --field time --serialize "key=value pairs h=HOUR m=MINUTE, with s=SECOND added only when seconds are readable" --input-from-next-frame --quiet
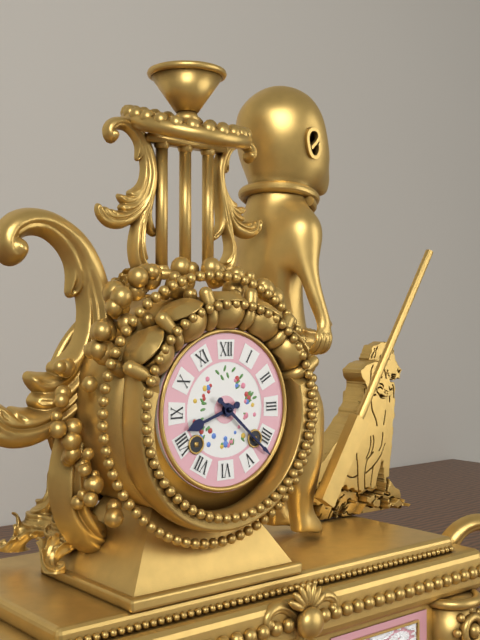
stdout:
h=8 m=22
